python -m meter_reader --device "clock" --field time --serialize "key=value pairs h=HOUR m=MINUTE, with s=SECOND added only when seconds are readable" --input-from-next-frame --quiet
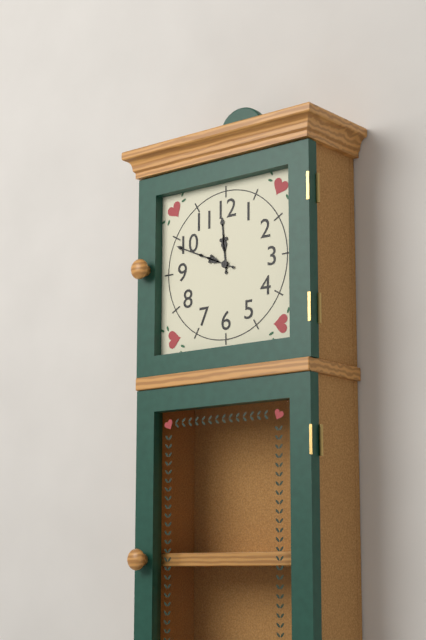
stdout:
h=11 m=49
